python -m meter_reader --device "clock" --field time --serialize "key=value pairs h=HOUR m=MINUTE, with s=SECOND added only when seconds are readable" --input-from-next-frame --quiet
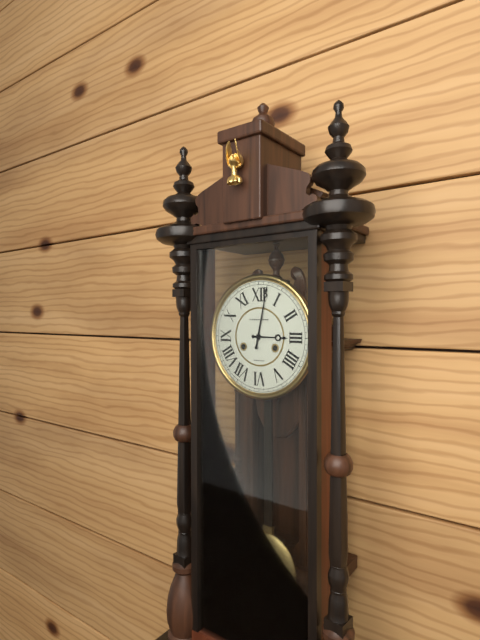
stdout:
h=3 m=2
